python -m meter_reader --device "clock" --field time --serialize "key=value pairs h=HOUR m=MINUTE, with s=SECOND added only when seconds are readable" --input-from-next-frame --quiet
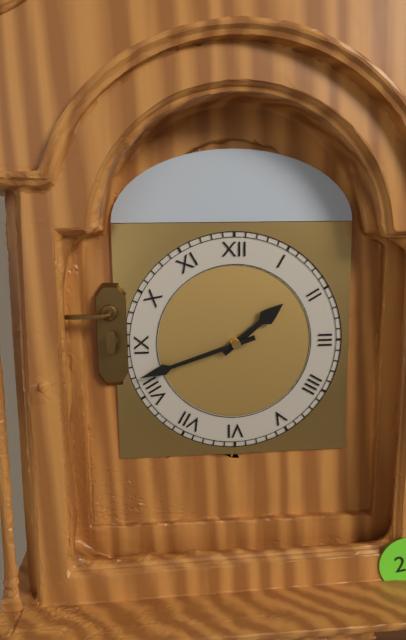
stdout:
h=1 m=42
